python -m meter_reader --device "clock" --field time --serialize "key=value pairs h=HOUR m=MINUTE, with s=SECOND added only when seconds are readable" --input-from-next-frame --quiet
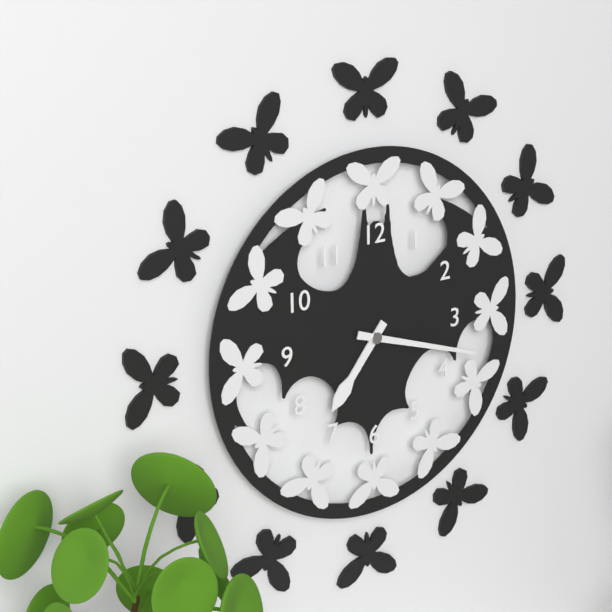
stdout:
h=7 m=18
